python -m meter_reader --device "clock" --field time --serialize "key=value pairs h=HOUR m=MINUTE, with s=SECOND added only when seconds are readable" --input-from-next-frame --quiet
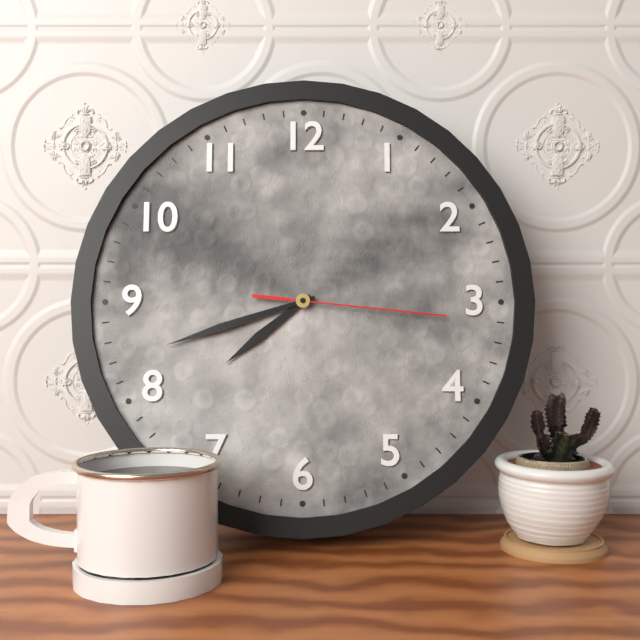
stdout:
h=7 m=42 s=16
